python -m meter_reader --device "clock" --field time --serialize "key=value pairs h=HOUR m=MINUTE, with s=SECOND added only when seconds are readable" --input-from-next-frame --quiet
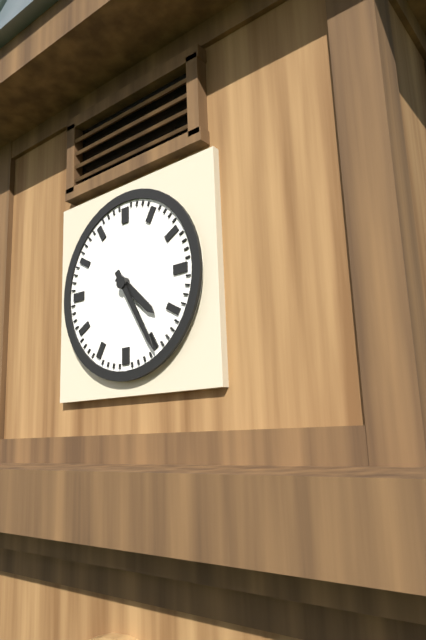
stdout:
h=4 m=25
